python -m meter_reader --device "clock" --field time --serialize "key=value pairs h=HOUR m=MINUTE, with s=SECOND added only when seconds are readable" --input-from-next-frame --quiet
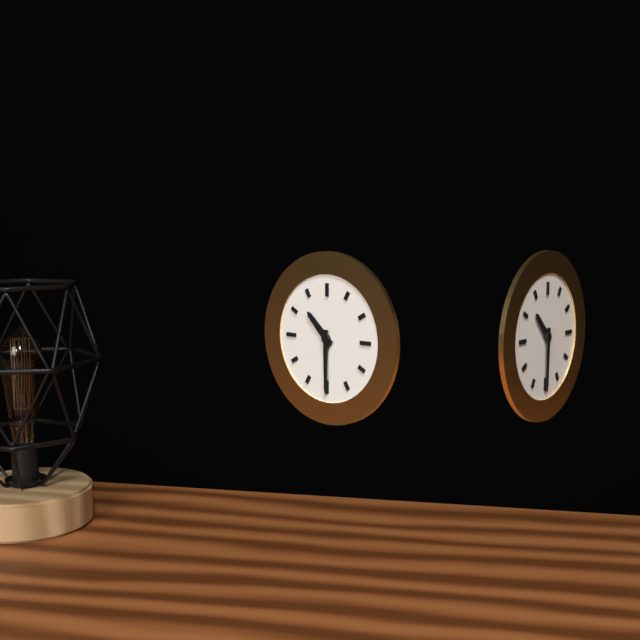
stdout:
h=10 m=30
